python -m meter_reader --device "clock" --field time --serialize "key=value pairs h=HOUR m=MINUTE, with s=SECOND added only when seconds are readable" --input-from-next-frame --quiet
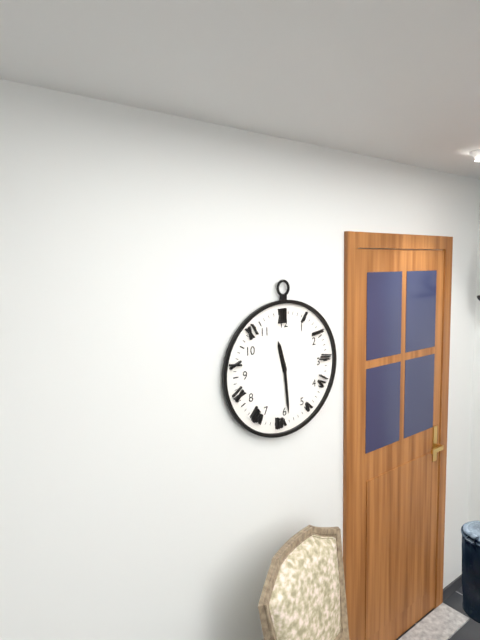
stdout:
h=11 m=29
